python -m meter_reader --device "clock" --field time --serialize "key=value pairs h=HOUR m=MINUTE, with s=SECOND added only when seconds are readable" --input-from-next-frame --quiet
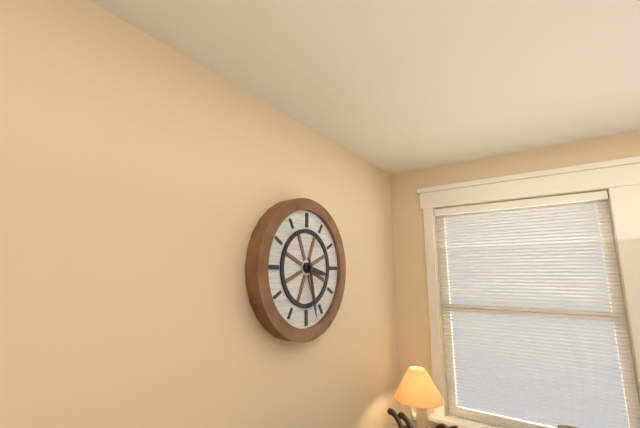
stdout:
h=3 m=28
